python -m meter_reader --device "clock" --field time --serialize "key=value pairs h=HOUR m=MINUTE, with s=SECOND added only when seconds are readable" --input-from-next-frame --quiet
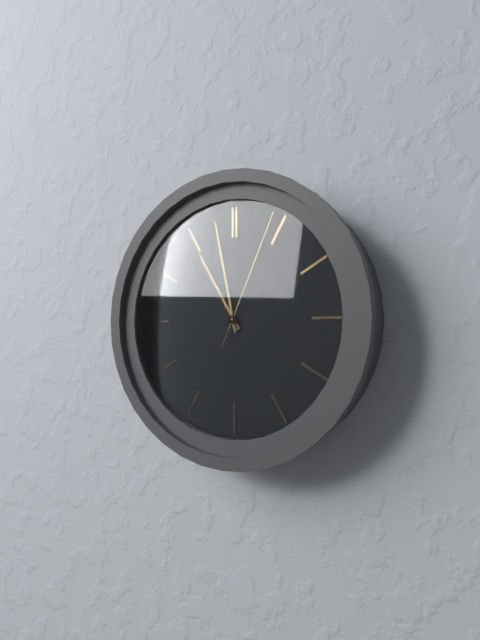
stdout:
h=10 m=58 s=4
